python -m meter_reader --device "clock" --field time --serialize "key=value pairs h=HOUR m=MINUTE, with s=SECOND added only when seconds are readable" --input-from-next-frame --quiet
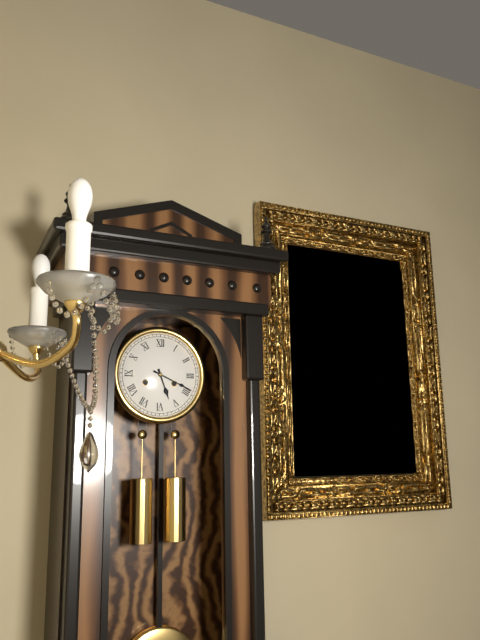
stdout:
h=5 m=19
